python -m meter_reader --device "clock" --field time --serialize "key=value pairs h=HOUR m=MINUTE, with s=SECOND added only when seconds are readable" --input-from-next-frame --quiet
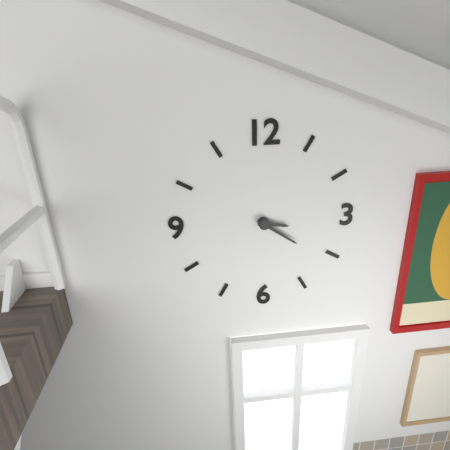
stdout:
h=3 m=21
